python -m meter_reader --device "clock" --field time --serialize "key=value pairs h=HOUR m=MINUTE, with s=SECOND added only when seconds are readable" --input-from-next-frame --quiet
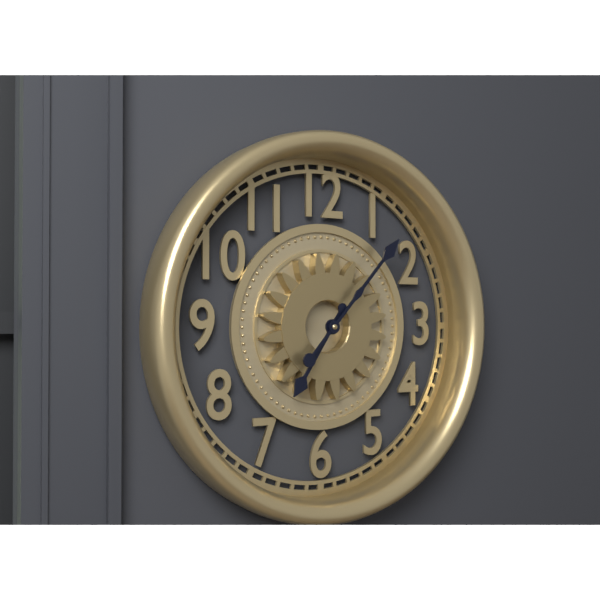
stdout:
h=7 m=7
